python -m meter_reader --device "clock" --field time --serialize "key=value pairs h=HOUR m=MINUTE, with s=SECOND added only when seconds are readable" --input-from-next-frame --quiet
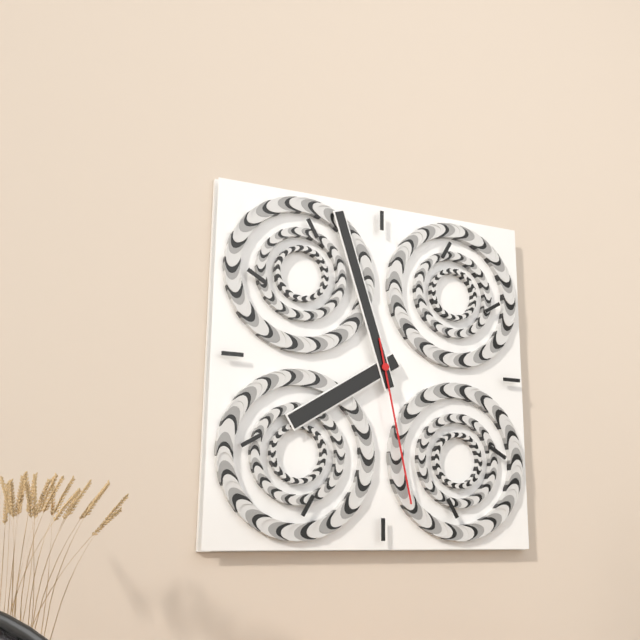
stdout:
h=7 m=57 s=28
